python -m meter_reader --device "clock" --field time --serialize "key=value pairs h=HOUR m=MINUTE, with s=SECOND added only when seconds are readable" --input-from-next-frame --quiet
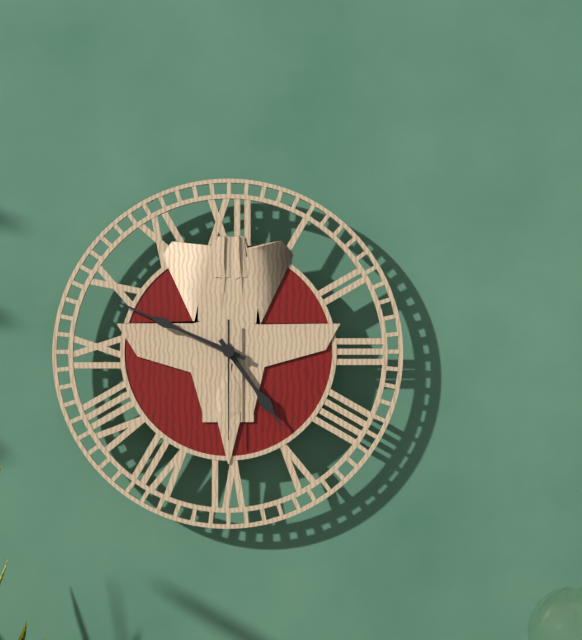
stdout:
h=4 m=49 s=30
